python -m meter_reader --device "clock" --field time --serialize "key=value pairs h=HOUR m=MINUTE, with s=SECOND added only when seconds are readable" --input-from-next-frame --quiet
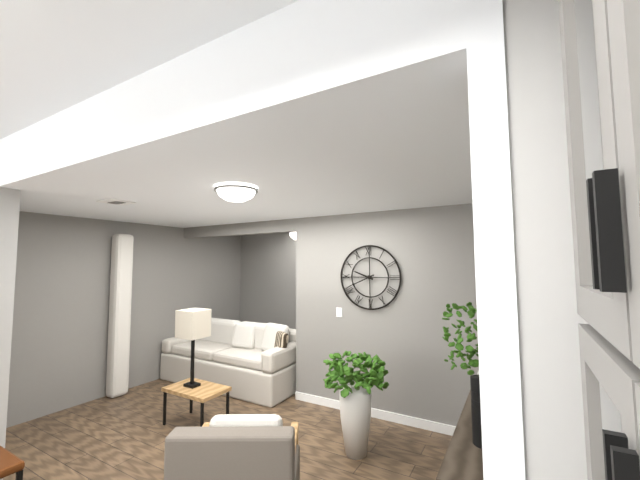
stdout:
h=9 m=41
